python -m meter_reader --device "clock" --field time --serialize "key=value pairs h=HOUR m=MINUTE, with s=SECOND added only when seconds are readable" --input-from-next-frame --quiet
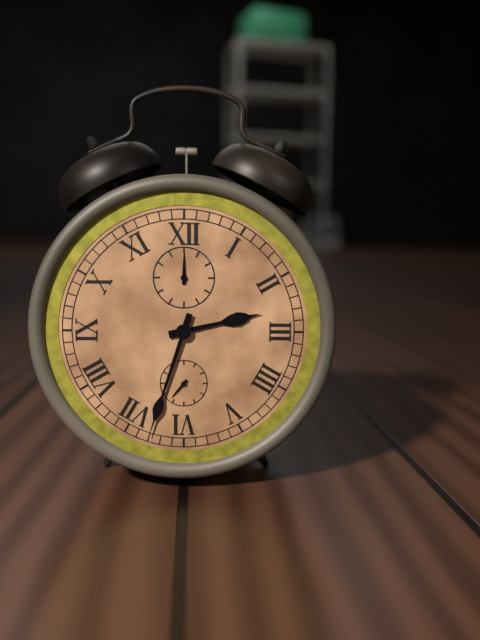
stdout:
h=2 m=33
